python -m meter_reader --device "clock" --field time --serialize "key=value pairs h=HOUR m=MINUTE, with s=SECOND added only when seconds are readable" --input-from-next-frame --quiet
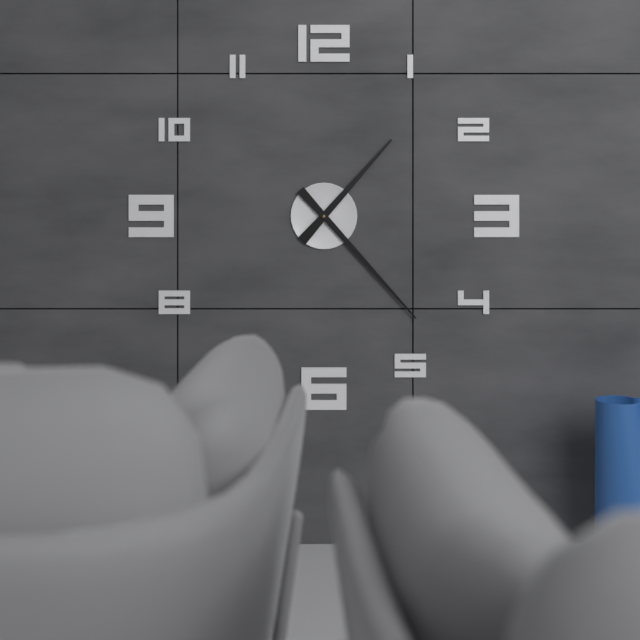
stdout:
h=1 m=23
